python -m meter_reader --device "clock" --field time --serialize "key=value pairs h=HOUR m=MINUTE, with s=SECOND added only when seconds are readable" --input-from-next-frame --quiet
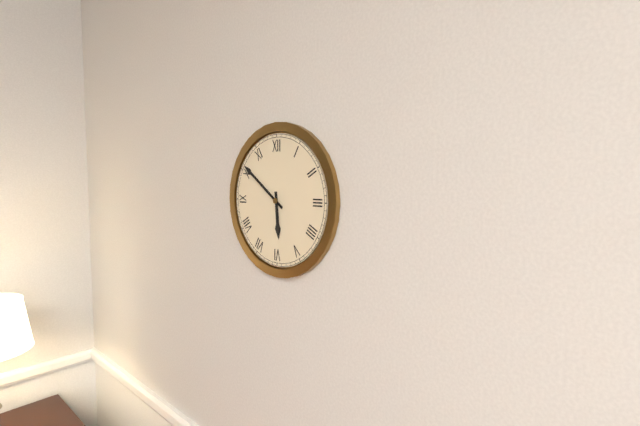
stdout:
h=5 m=51
